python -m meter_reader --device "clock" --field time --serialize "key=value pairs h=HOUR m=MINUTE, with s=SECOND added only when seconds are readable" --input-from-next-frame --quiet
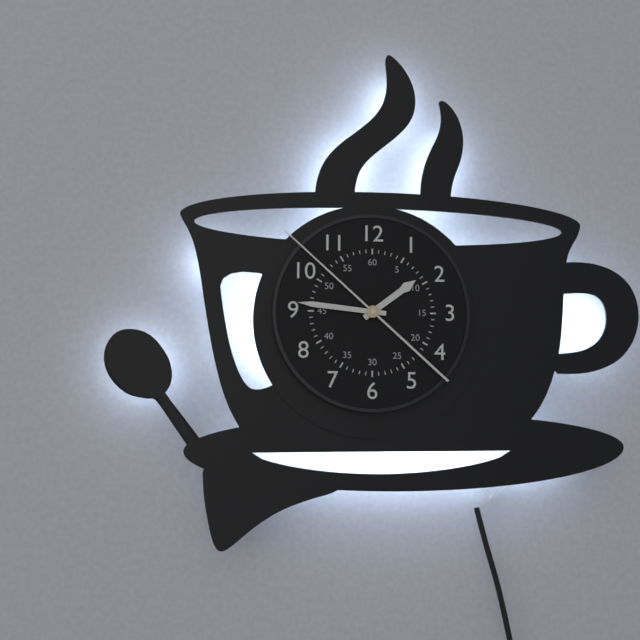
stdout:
h=1 m=46 s=52
